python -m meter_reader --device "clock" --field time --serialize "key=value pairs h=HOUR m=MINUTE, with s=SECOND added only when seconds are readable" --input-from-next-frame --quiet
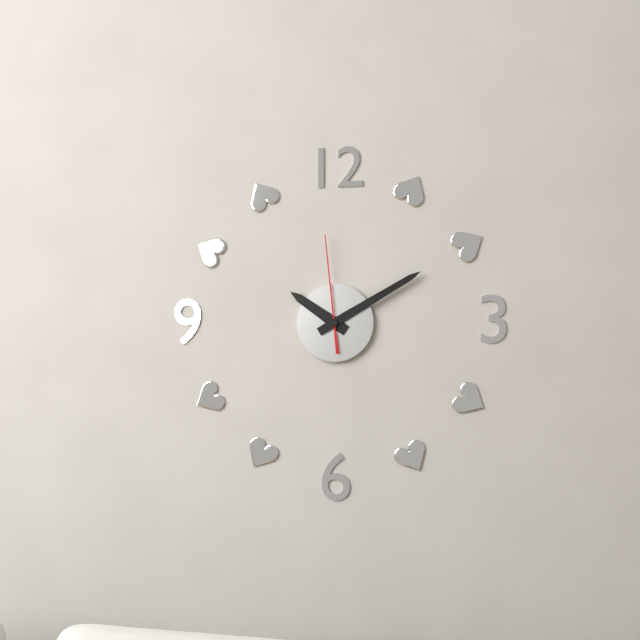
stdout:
h=10 m=10 s=59
